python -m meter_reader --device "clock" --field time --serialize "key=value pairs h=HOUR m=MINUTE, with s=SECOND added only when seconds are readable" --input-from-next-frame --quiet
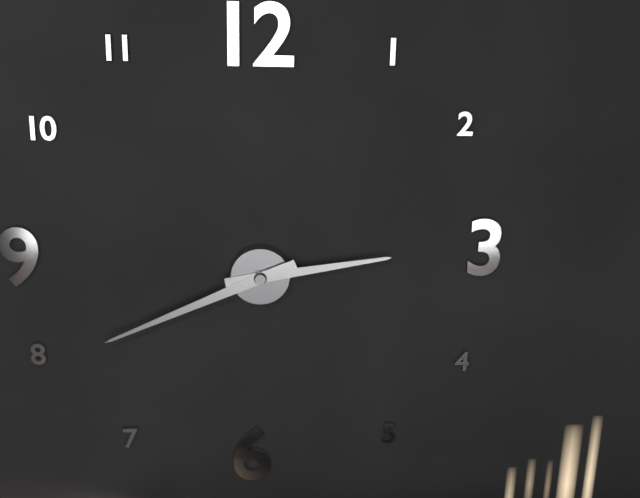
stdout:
h=2 m=41
